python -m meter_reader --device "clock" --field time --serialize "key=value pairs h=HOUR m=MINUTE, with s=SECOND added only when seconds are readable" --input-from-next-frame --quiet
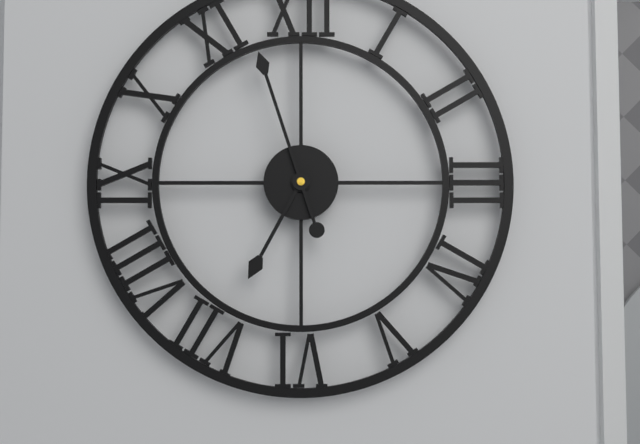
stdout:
h=6 m=57
